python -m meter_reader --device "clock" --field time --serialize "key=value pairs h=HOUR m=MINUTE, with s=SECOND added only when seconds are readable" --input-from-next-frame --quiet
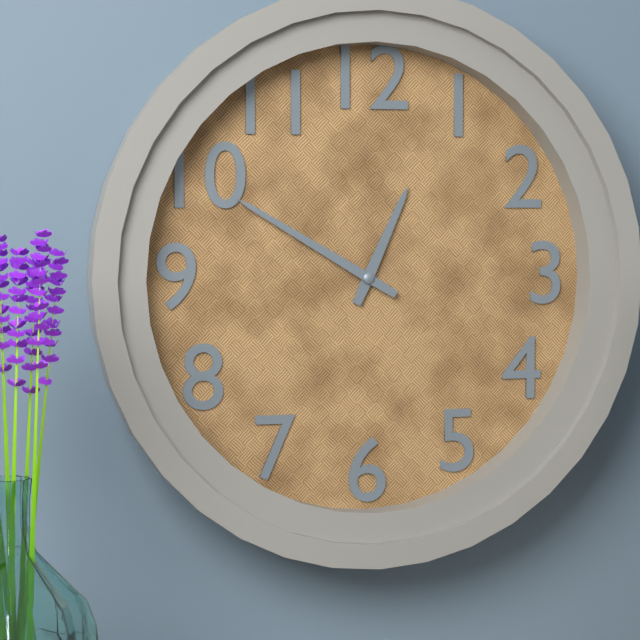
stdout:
h=12 m=50
